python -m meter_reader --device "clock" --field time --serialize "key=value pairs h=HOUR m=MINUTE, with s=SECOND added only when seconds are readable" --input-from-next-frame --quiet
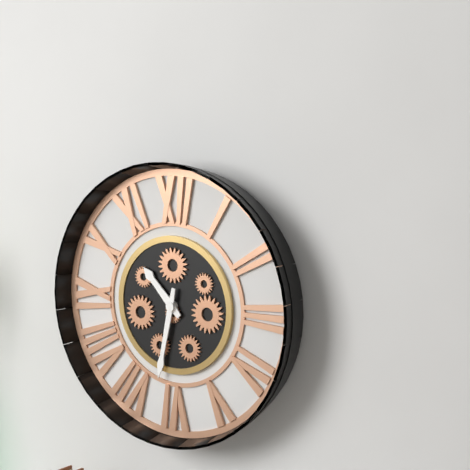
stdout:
h=10 m=32
